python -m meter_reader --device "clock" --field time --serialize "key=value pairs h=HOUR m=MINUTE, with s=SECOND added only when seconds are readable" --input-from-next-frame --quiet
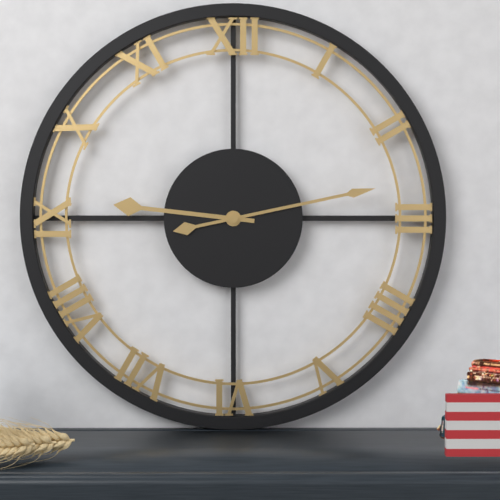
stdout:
h=9 m=13
